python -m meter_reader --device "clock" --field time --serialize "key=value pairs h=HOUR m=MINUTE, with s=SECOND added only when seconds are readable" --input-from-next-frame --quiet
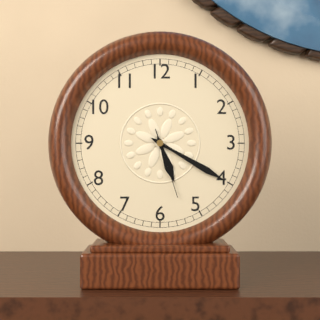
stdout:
h=5 m=20 s=27
